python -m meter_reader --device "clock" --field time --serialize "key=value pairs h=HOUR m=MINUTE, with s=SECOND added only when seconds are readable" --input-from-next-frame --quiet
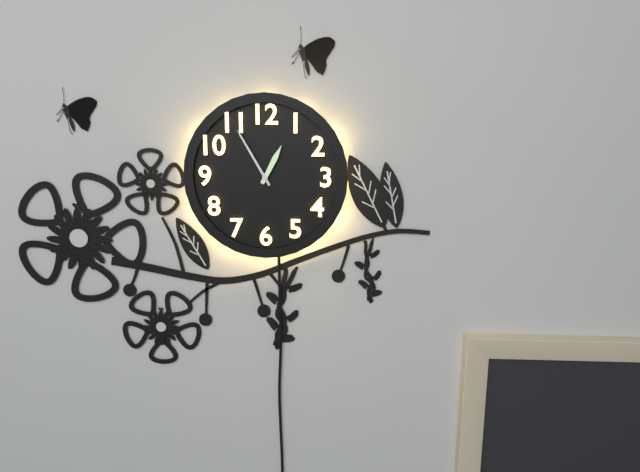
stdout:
h=12 m=55
